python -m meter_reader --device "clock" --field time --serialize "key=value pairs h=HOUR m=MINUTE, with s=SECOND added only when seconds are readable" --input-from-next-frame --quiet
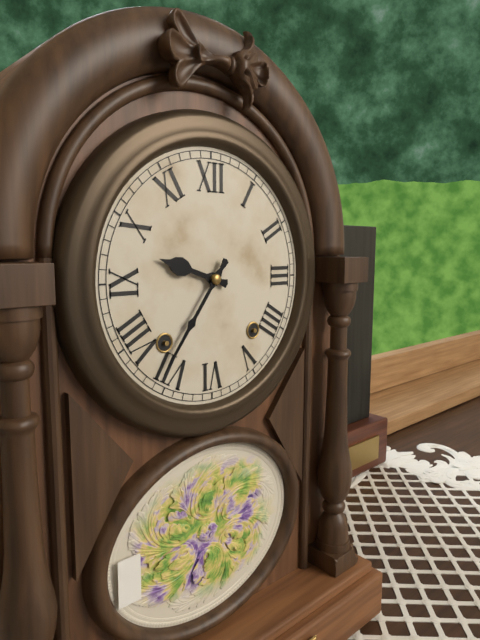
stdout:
h=9 m=36
